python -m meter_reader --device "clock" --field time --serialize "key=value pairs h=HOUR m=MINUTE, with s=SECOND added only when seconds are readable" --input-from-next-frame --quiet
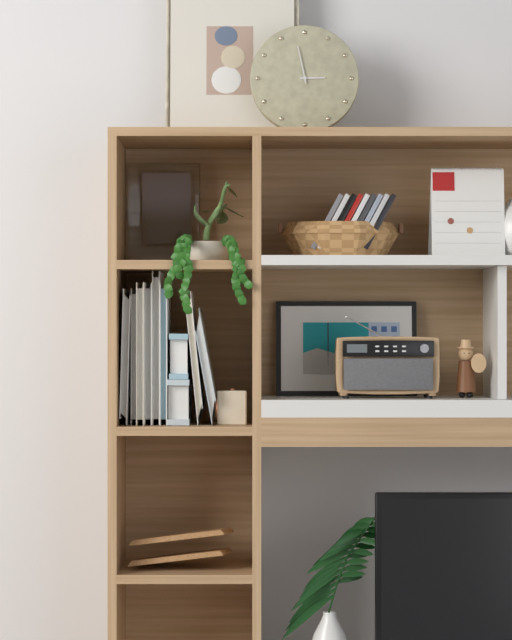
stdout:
h=2 m=58
